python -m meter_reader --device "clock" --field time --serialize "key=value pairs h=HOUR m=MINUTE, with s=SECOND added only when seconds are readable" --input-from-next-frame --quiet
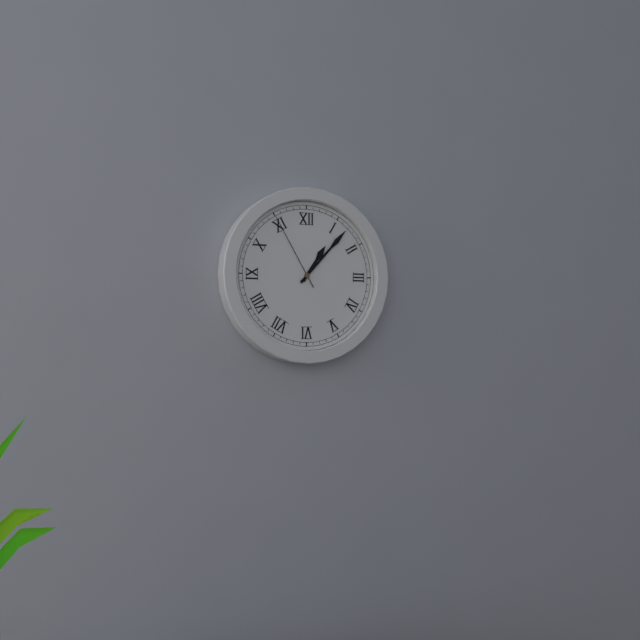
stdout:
h=1 m=7 s=55
